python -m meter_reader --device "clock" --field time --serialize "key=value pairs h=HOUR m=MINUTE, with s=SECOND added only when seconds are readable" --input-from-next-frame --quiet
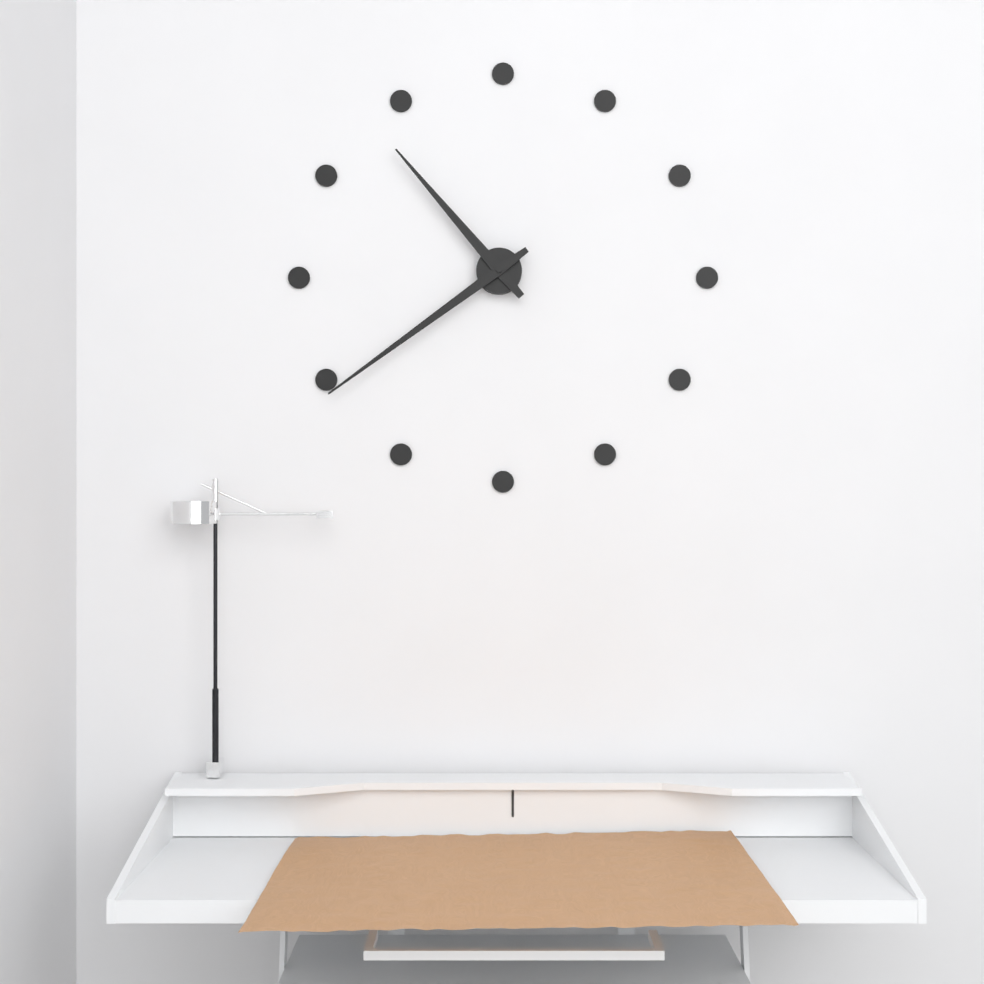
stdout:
h=10 m=39
